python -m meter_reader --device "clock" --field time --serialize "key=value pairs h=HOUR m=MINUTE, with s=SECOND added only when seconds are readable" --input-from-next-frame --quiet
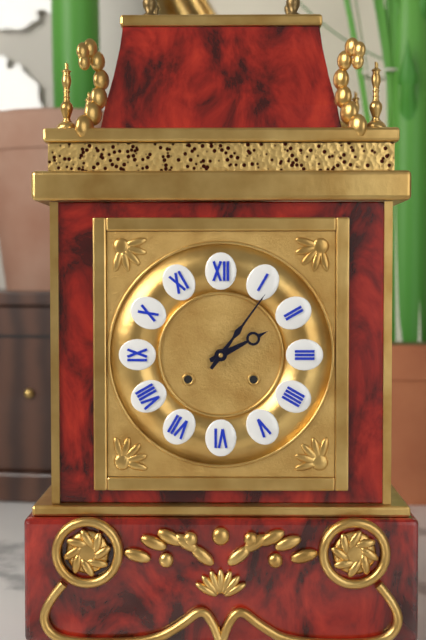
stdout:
h=2 m=6
